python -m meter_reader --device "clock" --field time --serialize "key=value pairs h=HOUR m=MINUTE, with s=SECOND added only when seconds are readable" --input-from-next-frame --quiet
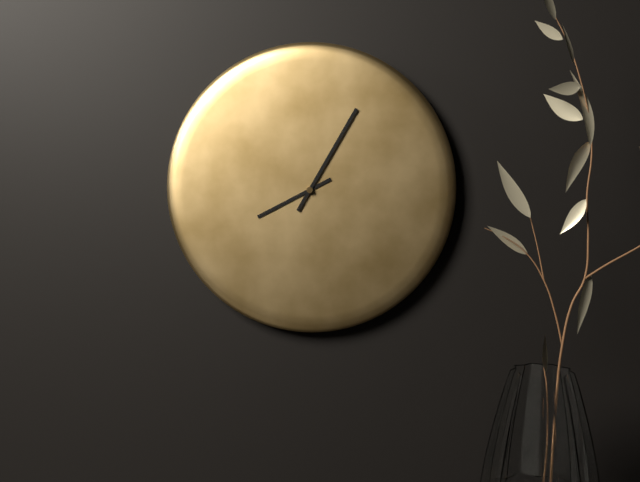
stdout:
h=8 m=5
